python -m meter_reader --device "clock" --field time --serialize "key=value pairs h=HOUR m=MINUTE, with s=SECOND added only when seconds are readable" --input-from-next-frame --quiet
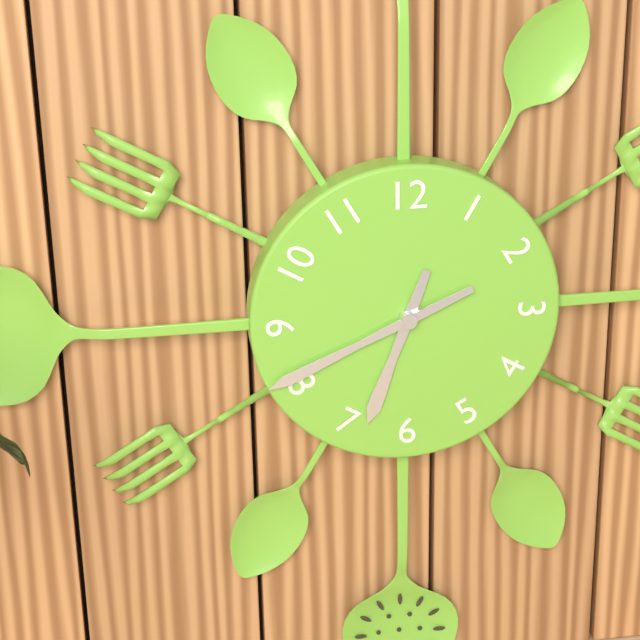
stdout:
h=6 m=41
